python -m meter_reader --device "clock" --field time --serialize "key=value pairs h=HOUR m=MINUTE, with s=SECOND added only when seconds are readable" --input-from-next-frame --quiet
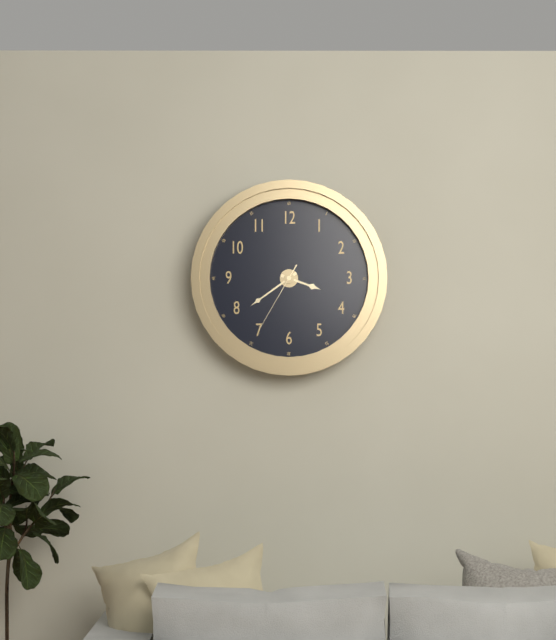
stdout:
h=3 m=39 s=35
